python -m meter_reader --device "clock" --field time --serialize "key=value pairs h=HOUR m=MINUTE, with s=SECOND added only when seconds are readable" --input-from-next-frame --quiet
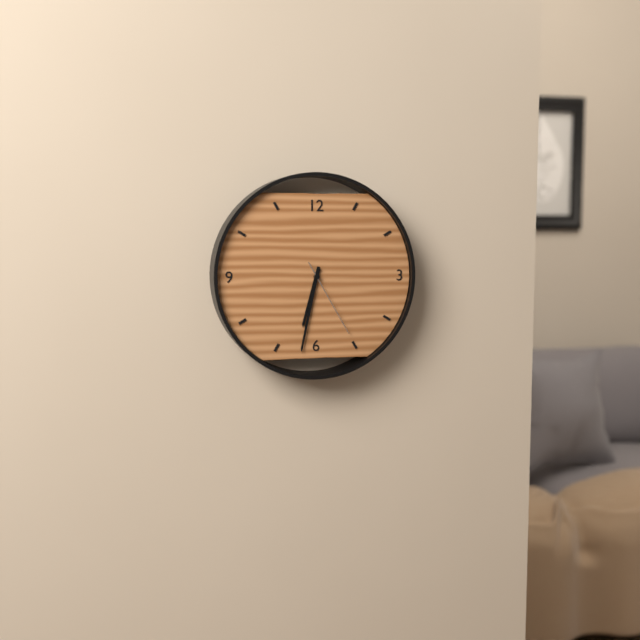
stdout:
h=6 m=32 s=25
